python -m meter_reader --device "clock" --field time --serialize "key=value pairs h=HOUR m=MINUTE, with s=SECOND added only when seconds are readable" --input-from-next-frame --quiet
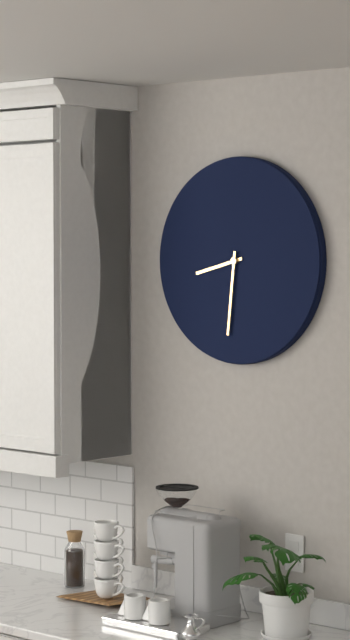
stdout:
h=8 m=31
